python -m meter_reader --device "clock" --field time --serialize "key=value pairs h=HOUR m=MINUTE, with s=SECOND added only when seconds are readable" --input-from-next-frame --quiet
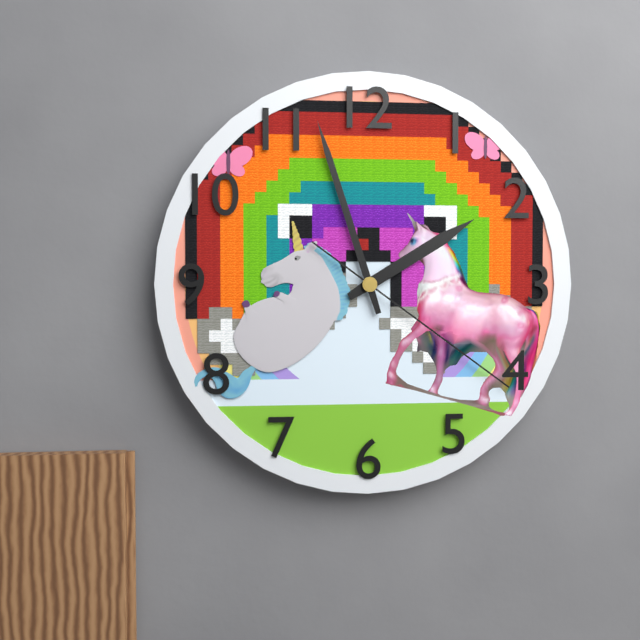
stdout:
h=1 m=57 s=21
